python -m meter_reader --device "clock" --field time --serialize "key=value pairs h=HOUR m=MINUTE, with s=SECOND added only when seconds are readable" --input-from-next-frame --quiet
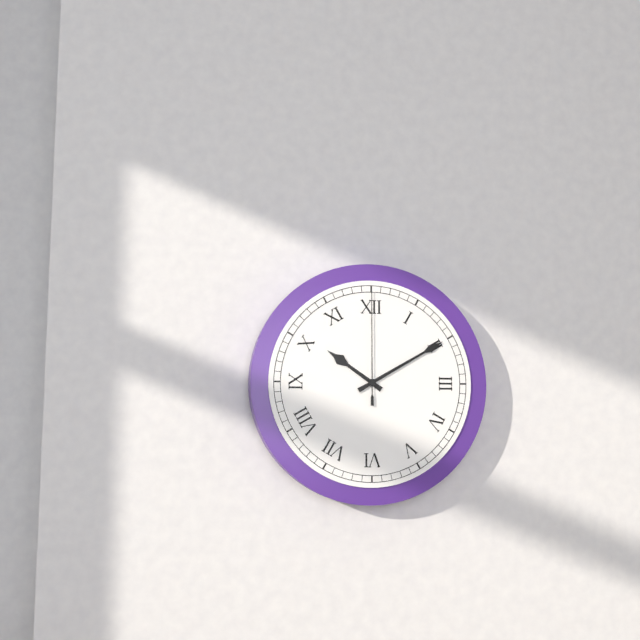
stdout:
h=10 m=10 s=0
